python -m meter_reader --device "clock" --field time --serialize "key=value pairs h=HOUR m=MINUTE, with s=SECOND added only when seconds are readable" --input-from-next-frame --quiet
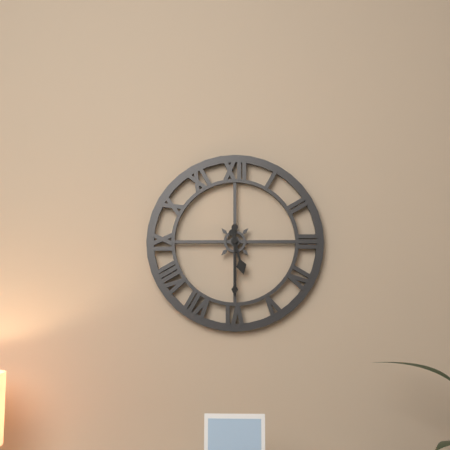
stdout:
h=5 m=30
